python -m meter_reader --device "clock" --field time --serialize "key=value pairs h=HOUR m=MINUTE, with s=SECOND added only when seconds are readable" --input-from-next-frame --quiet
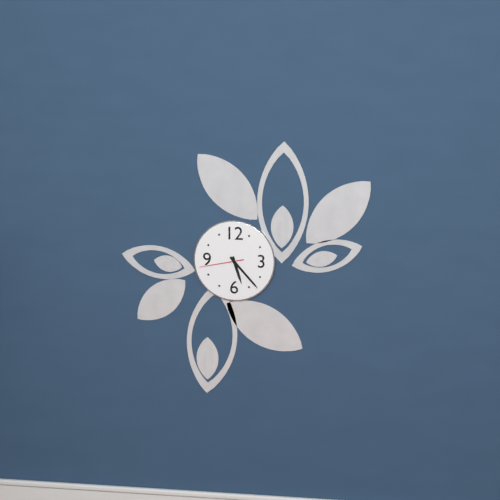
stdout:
h=5 m=23
